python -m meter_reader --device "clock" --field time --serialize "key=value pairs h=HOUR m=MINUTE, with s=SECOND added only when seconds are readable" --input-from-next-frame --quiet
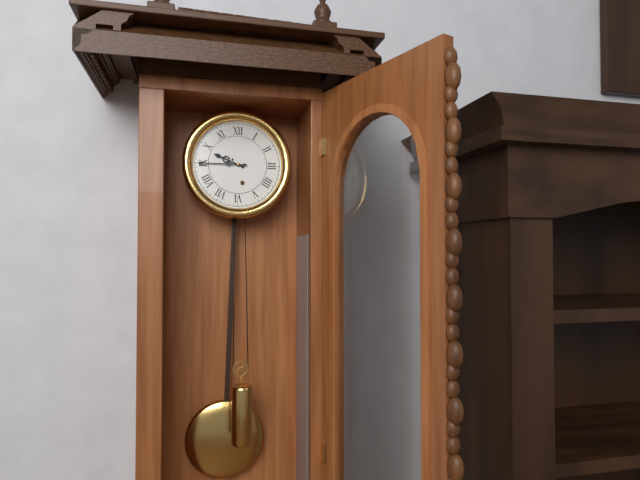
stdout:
h=9 m=45
